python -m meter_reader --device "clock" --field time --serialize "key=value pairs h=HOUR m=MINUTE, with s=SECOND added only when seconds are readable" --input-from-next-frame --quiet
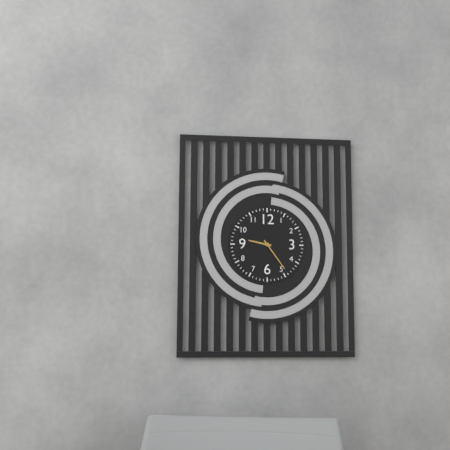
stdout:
h=9 m=24
